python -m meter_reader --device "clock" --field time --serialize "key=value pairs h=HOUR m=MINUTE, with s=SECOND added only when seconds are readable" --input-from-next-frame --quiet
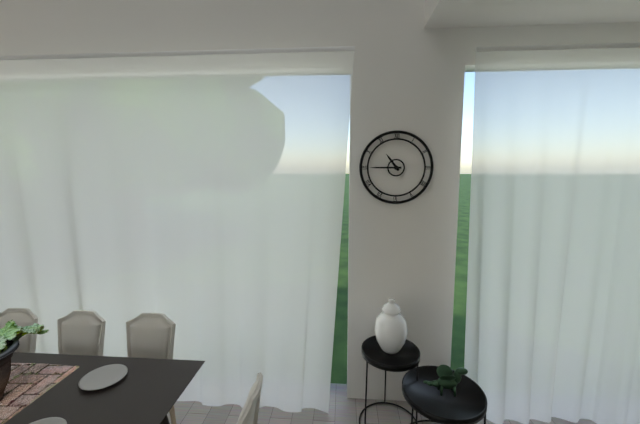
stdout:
h=10 m=45
